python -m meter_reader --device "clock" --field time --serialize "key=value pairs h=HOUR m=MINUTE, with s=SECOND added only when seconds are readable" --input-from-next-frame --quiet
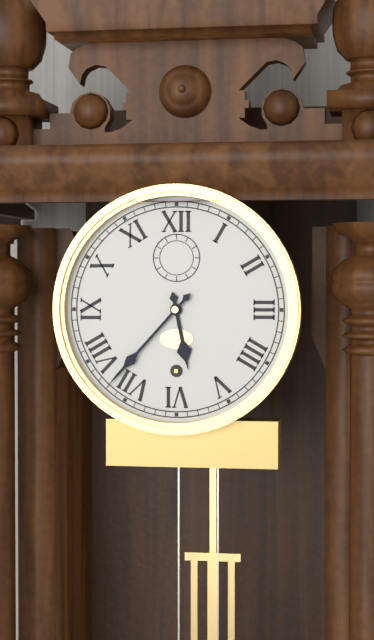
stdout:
h=5 m=37
